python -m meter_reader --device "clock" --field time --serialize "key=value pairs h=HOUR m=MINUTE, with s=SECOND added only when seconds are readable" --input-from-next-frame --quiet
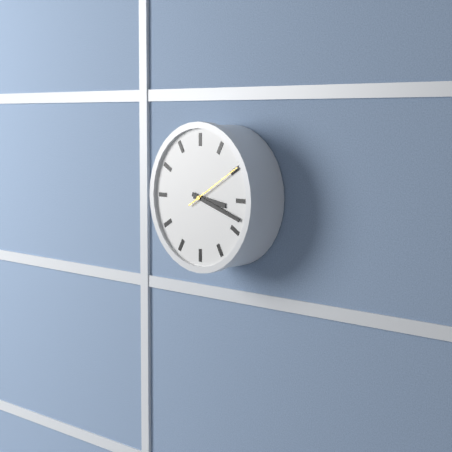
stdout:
h=3 m=18 s=10
